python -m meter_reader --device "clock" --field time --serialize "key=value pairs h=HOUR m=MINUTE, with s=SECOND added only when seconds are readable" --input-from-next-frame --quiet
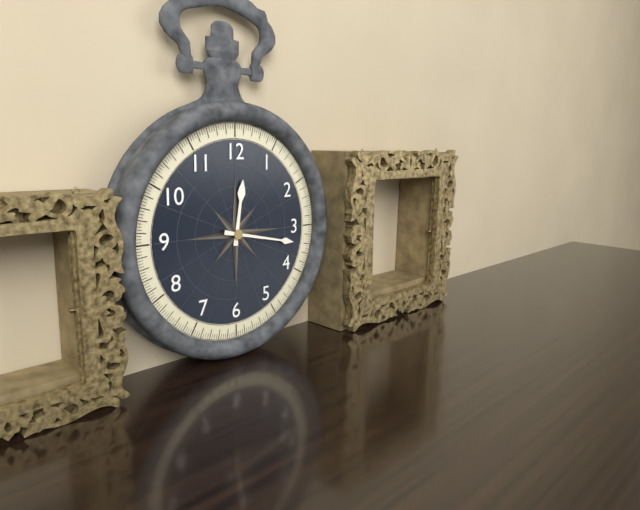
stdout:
h=12 m=17
